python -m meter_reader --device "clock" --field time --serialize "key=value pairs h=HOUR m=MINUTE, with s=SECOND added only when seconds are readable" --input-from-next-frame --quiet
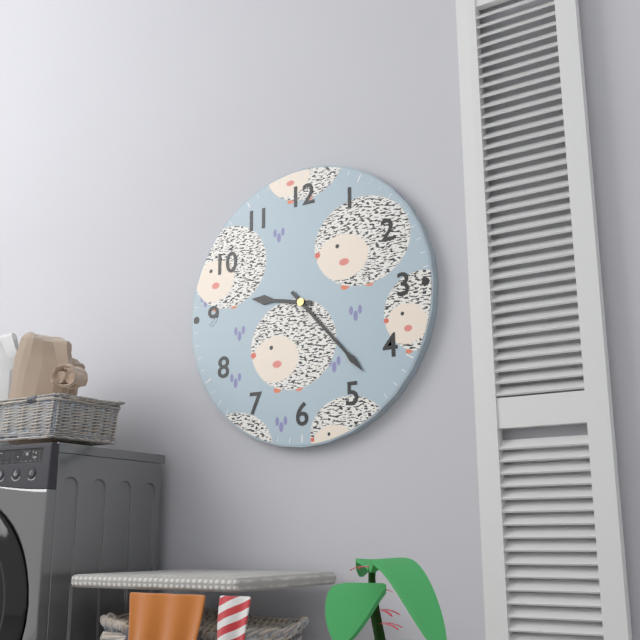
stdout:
h=9 m=23
